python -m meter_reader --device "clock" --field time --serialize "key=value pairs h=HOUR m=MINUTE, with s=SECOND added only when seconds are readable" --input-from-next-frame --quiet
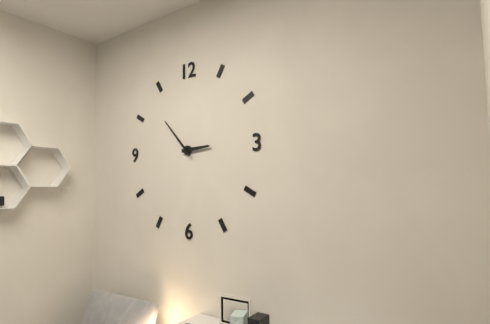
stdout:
h=2 m=53
